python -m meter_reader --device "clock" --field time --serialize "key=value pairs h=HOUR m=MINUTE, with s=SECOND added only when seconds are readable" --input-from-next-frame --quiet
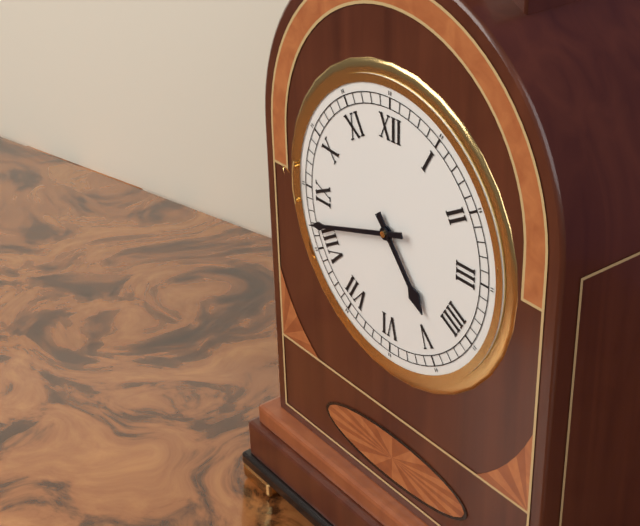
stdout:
h=4 m=42
